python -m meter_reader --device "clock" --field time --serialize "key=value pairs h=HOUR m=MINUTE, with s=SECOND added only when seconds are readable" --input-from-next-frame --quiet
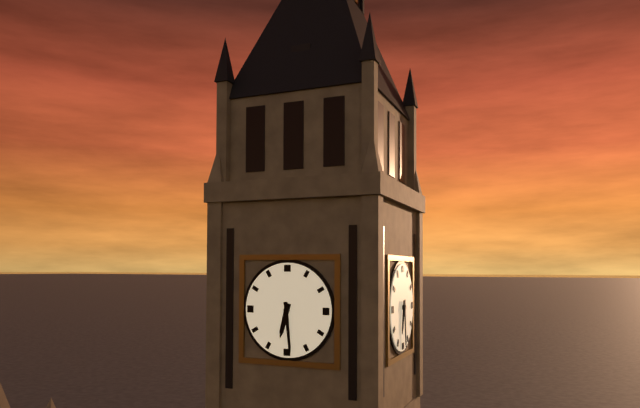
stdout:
h=6 m=29
